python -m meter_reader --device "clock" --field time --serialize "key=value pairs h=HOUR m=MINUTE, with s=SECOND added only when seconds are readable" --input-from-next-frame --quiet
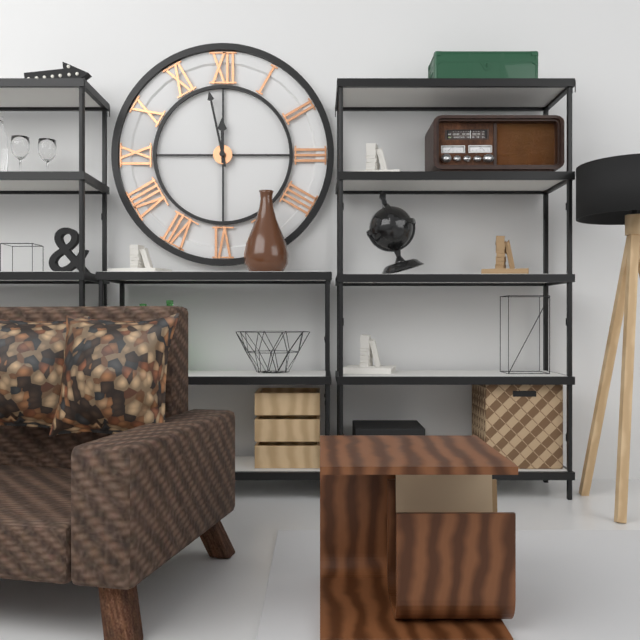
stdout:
h=11 m=58
